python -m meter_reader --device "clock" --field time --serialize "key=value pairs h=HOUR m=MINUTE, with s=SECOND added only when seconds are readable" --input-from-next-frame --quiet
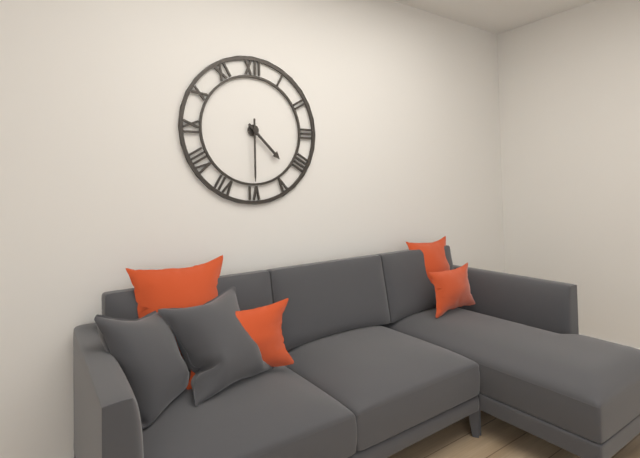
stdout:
h=4 m=30
